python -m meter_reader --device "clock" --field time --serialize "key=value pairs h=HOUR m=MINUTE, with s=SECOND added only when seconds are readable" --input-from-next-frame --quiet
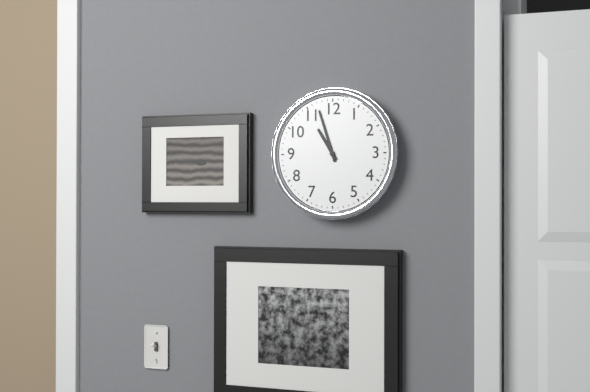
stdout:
h=10 m=57
